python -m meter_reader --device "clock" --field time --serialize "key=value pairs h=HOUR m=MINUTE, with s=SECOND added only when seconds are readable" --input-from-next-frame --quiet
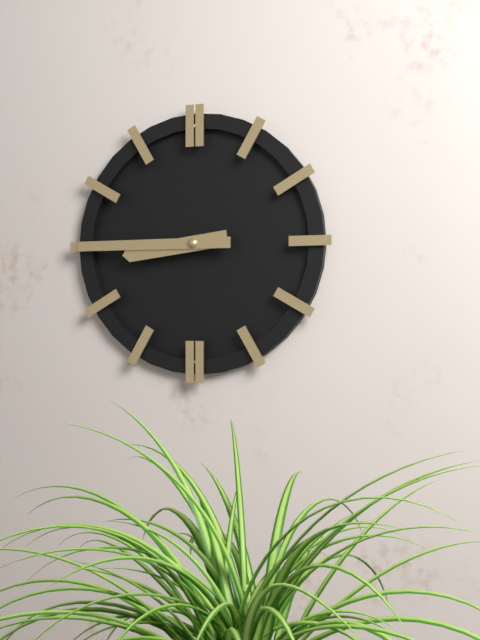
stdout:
h=8 m=45
